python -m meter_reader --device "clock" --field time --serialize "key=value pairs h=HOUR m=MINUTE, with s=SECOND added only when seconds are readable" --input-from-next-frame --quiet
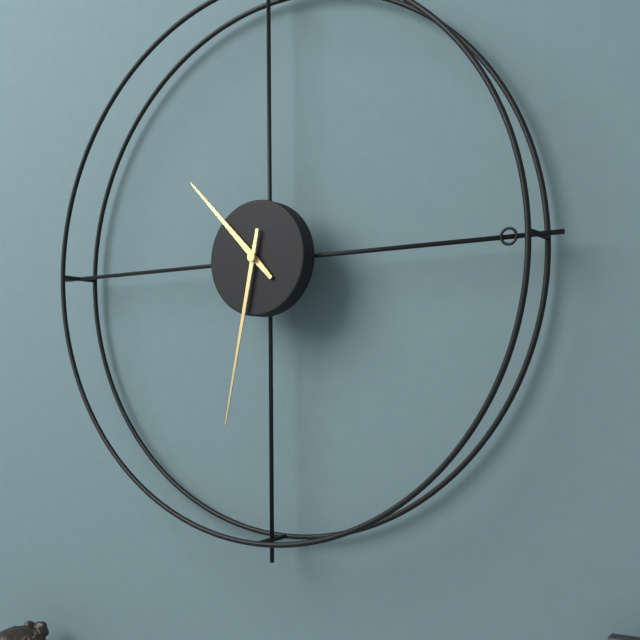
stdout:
h=10 m=32
